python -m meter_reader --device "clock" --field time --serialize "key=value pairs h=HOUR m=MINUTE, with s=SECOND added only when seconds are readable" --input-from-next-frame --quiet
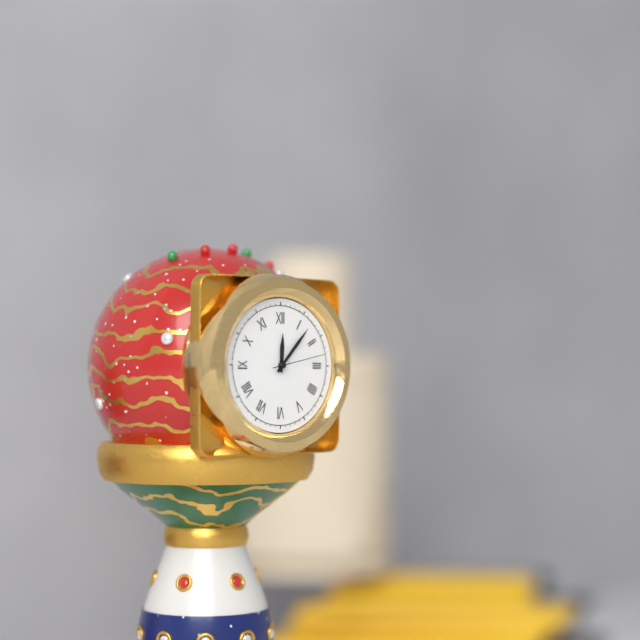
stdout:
h=12 m=7 s=13
